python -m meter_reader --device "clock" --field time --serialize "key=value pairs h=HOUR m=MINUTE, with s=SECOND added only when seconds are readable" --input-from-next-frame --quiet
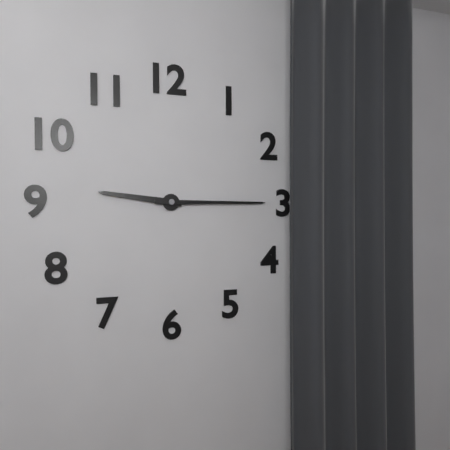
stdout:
h=9 m=15
